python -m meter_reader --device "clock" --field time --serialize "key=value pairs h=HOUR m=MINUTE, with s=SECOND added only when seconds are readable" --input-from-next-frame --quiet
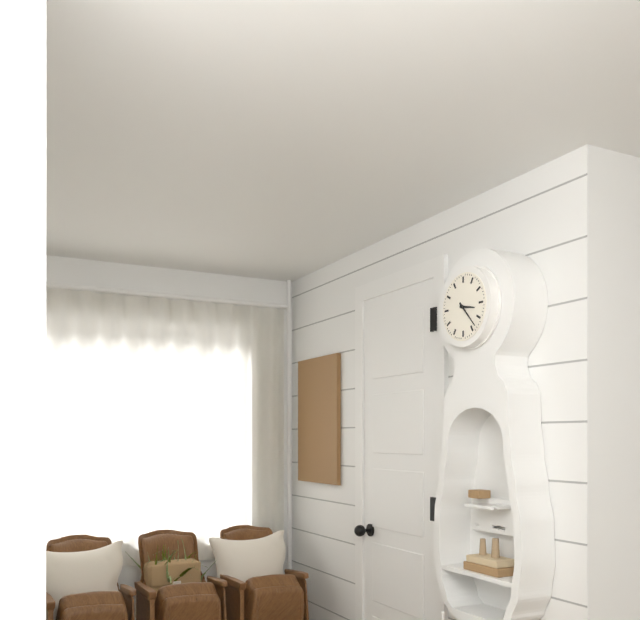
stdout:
h=3 m=23
